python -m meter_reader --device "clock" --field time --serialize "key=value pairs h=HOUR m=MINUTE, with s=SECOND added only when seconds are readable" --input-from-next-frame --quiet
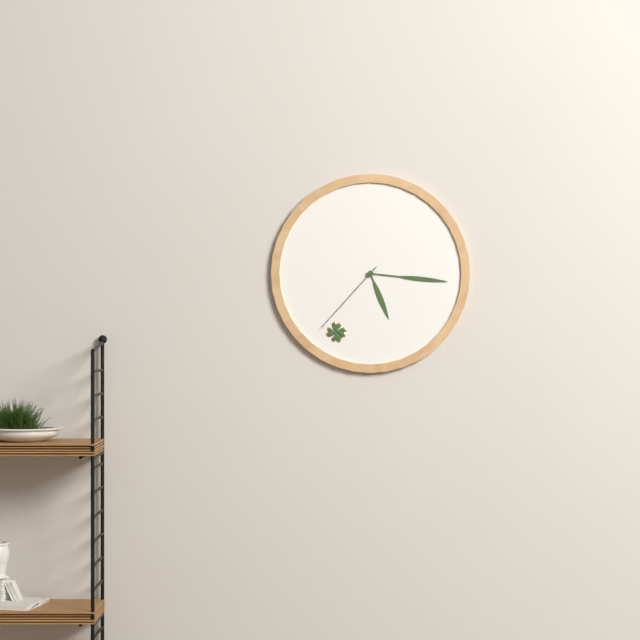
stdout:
h=5 m=16 s=37
